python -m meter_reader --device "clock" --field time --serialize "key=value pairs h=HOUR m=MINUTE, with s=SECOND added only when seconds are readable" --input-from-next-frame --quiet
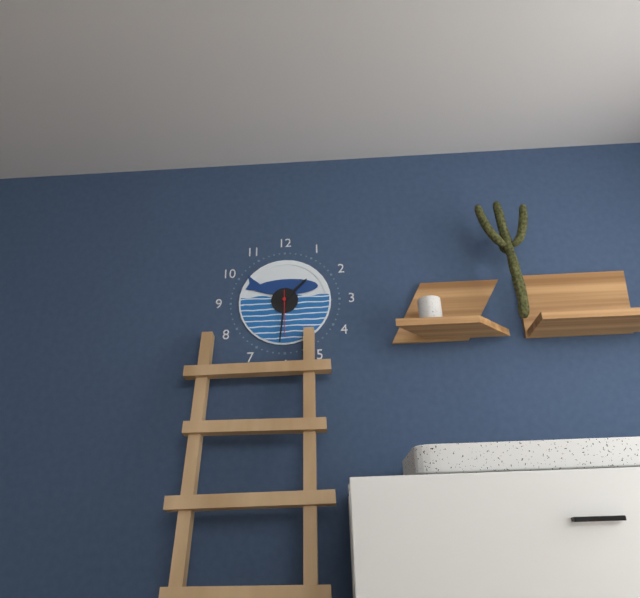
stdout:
h=1 m=31
